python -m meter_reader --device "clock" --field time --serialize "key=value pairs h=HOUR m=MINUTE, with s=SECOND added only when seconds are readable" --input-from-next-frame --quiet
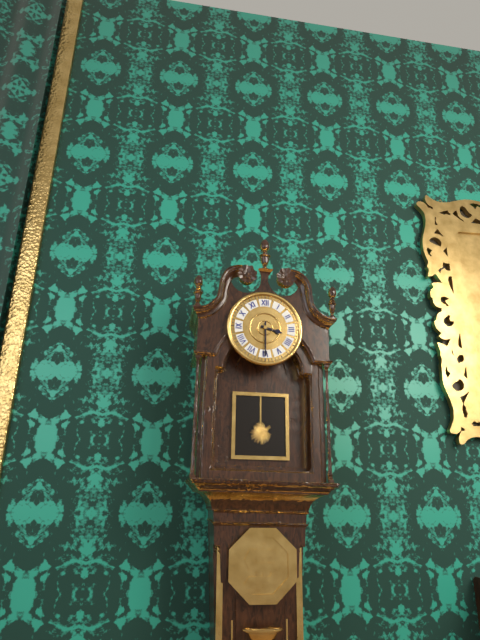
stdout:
h=3 m=30
